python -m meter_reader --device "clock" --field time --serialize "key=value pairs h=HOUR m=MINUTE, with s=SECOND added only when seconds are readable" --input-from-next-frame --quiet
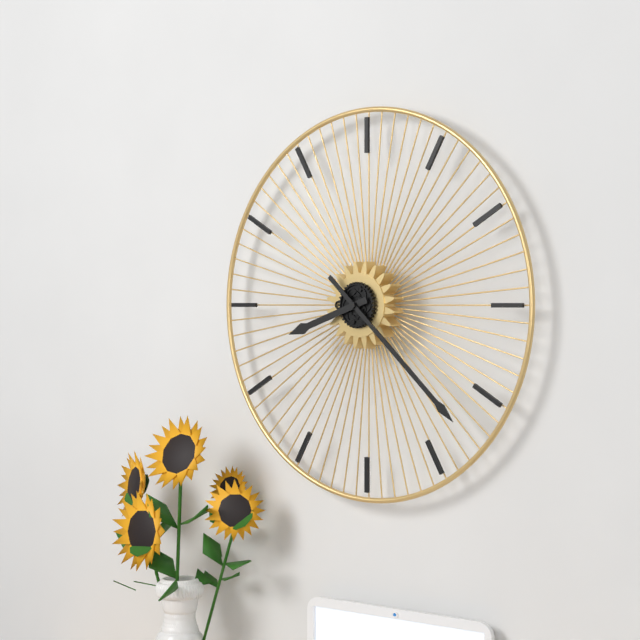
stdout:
h=8 m=22
